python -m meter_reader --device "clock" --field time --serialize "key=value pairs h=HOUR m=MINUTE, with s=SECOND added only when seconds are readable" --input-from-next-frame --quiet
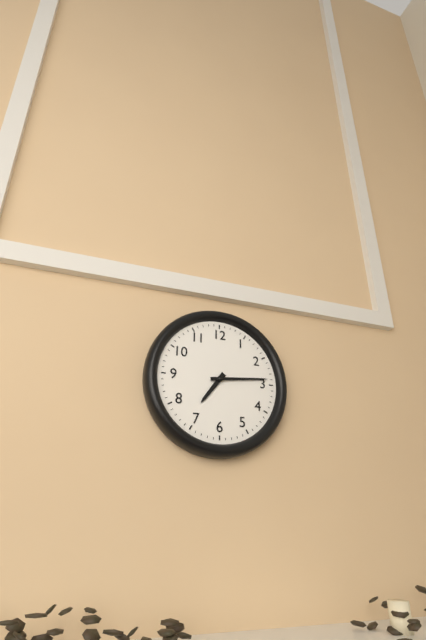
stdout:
h=7 m=14
